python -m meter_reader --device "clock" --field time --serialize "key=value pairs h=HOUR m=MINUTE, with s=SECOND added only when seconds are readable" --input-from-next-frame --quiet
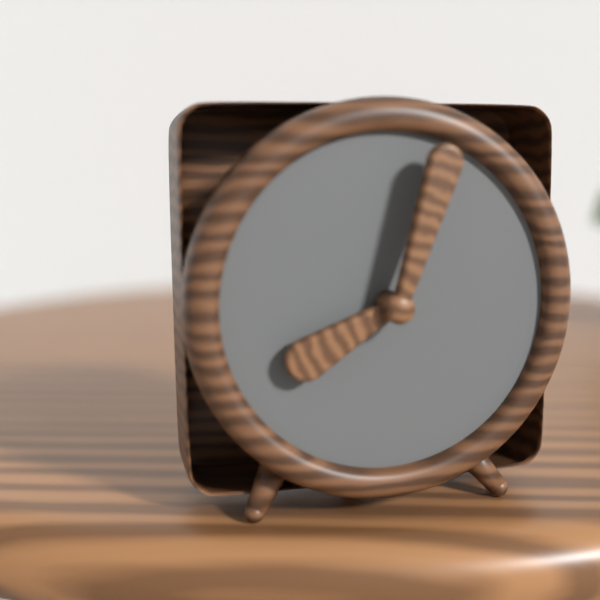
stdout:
h=8 m=3
